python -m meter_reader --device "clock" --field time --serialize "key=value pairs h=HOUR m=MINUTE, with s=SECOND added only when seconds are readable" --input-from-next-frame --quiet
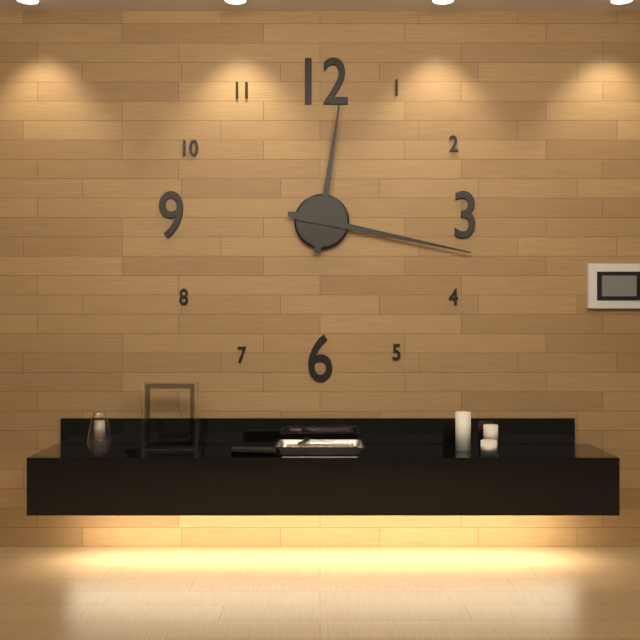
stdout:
h=12 m=17
